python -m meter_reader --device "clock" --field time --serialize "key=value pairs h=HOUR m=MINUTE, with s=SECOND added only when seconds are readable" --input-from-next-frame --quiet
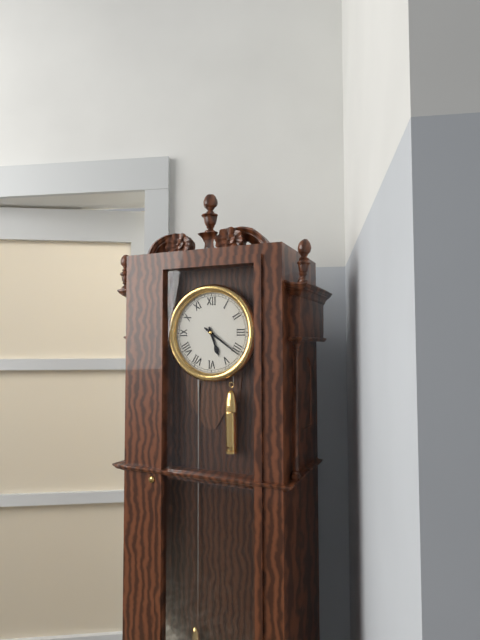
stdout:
h=5 m=21
